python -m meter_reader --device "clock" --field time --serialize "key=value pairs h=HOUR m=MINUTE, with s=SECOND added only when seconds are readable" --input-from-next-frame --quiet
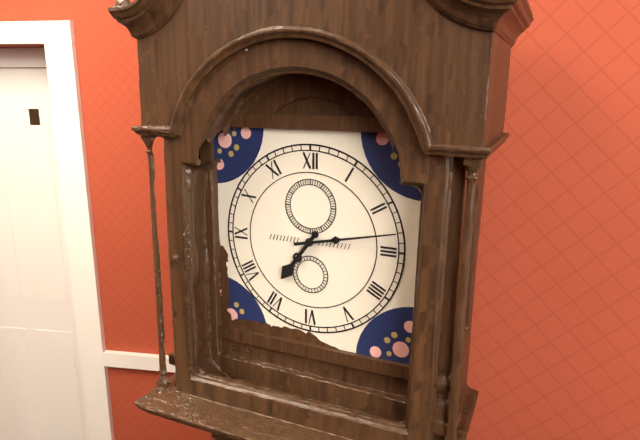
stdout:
h=7 m=13
